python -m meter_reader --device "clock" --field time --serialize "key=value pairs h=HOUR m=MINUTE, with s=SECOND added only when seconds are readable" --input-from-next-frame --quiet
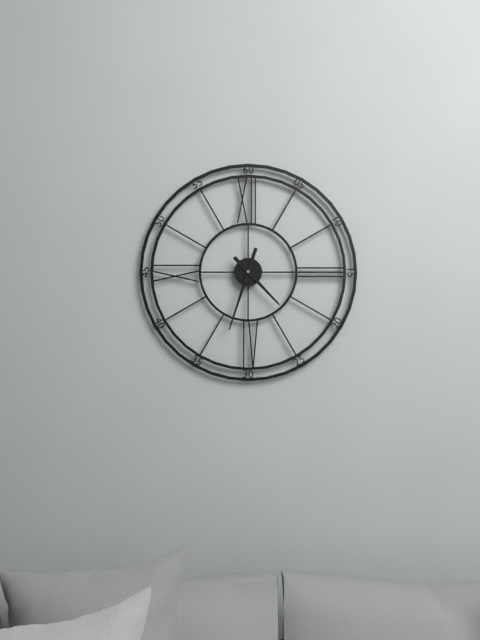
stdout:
h=4 m=33
